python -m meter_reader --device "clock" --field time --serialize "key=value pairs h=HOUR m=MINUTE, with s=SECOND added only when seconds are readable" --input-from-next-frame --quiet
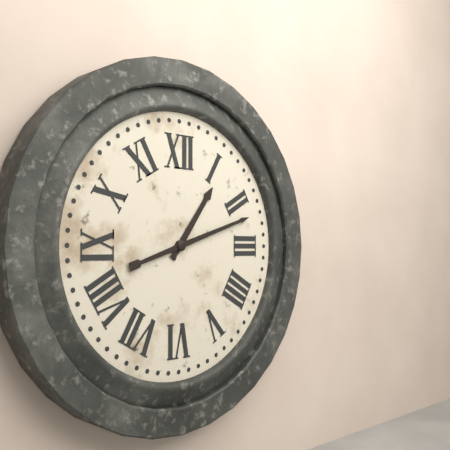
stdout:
h=1 m=12
